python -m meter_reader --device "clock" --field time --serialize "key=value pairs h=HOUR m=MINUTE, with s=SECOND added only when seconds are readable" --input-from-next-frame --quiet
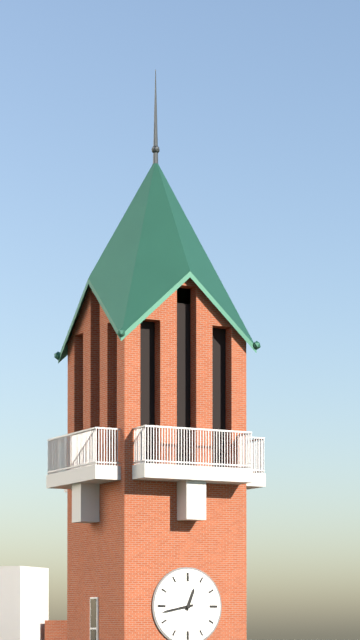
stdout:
h=12 m=43
